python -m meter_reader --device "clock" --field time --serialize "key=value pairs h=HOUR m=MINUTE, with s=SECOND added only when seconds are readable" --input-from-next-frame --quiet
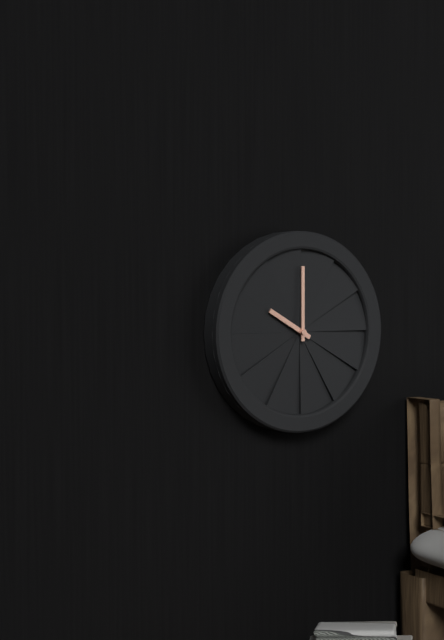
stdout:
h=10 m=0
